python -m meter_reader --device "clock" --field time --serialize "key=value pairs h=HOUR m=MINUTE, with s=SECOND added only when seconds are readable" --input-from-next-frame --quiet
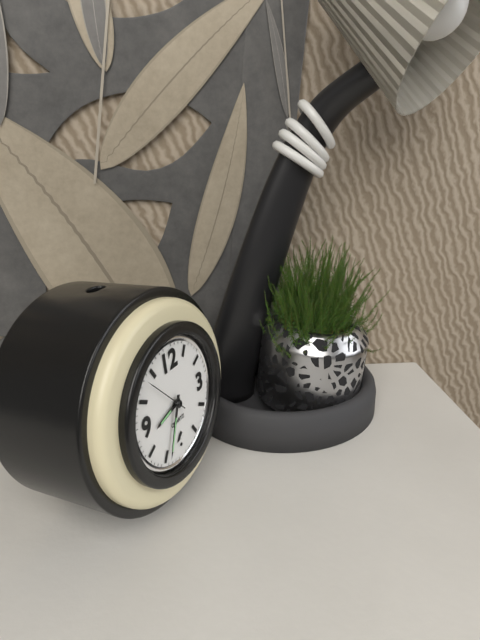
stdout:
h=8 m=34
